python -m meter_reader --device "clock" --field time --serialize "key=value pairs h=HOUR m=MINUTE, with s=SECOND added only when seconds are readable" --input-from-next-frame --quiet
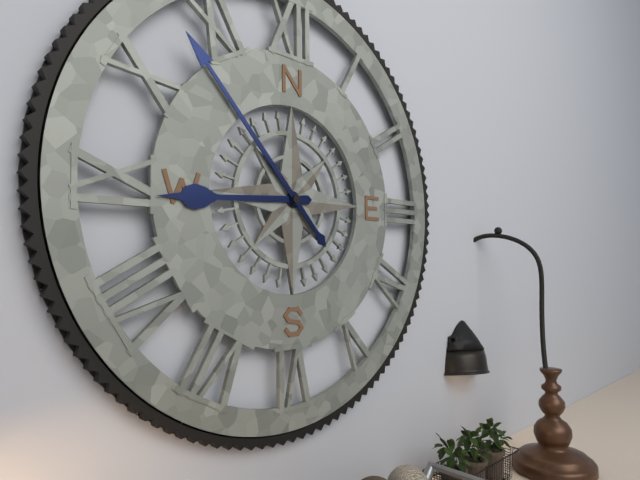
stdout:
h=8 m=53
